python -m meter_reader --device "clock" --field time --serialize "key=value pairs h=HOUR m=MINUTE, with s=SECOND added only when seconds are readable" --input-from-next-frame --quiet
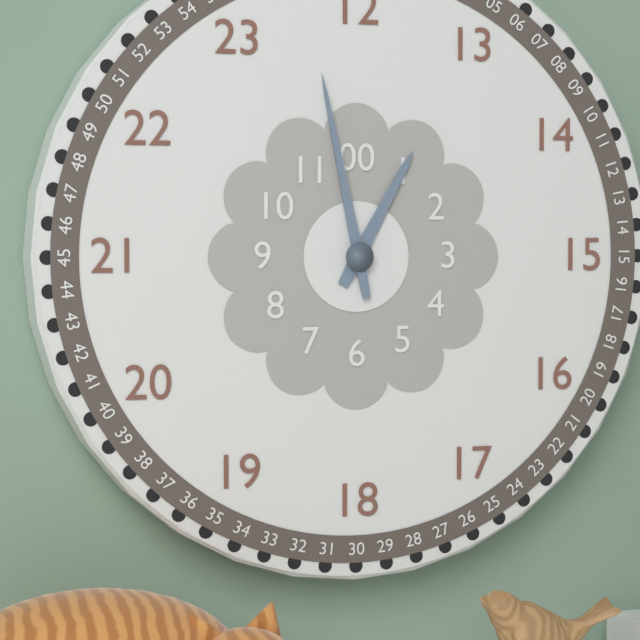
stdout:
h=12 m=58
